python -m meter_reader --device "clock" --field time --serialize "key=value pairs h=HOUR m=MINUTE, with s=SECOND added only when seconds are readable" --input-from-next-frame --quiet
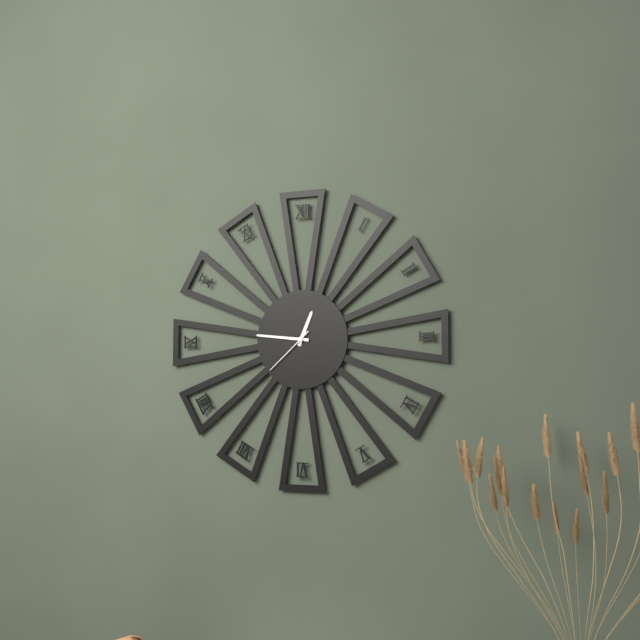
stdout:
h=12 m=46 s=38
